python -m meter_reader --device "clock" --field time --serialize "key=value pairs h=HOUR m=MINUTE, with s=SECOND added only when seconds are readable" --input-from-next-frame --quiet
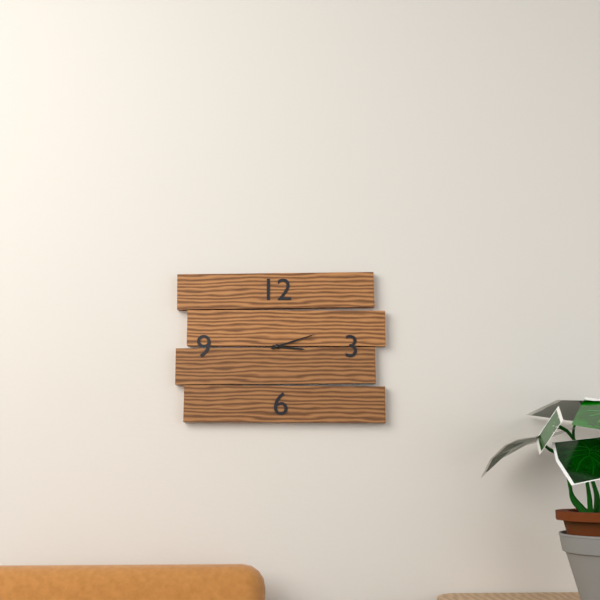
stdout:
h=3 m=12
